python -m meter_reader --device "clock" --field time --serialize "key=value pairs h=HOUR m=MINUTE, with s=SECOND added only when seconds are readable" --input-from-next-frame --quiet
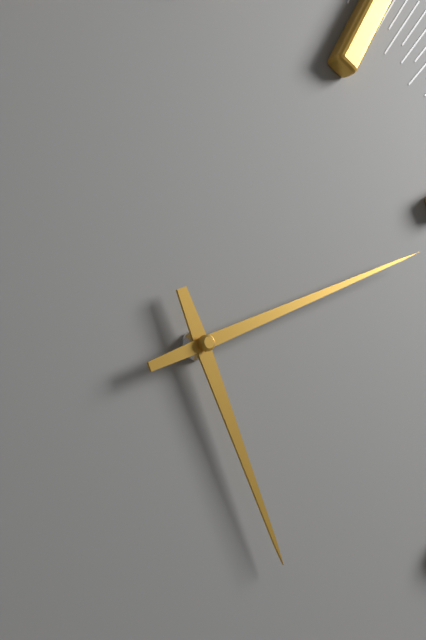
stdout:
h=5 m=11
